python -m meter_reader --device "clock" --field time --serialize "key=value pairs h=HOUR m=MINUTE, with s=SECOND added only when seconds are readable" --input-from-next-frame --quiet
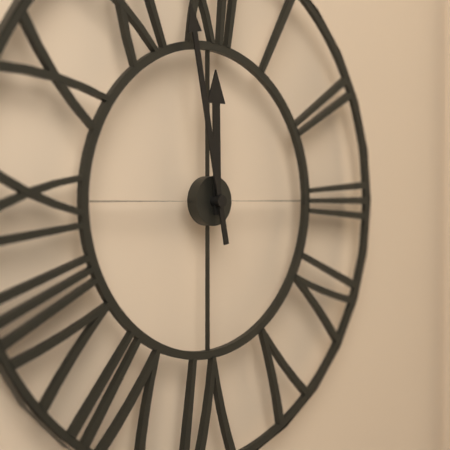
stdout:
h=11 m=58
